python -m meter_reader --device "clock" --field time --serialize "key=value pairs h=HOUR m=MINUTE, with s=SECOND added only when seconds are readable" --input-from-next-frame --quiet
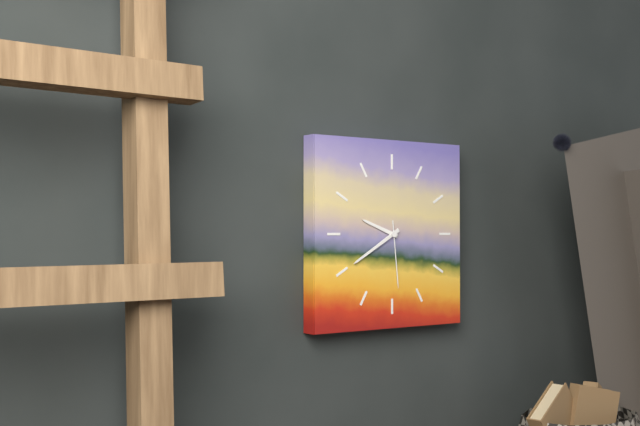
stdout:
h=9 m=40 s=29
